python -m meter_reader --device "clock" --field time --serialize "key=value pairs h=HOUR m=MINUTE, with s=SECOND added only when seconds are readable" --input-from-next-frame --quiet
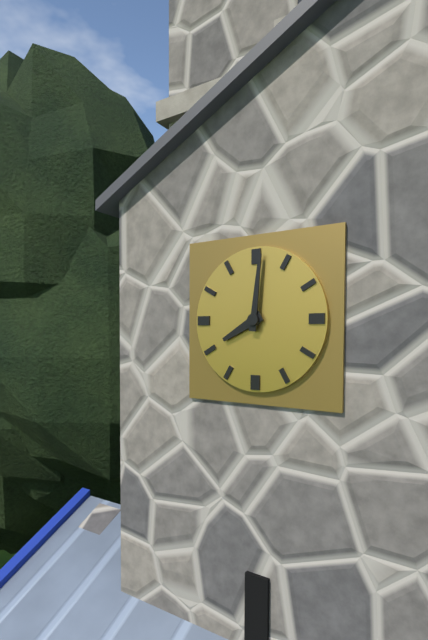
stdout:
h=8 m=1
